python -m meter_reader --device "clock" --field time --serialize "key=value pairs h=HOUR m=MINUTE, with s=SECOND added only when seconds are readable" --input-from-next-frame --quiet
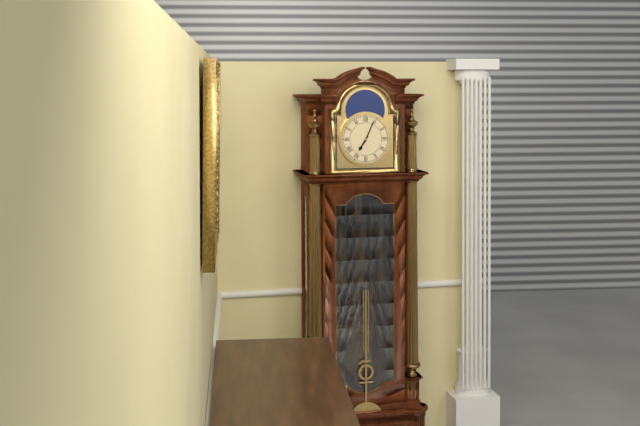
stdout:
h=7 m=4
